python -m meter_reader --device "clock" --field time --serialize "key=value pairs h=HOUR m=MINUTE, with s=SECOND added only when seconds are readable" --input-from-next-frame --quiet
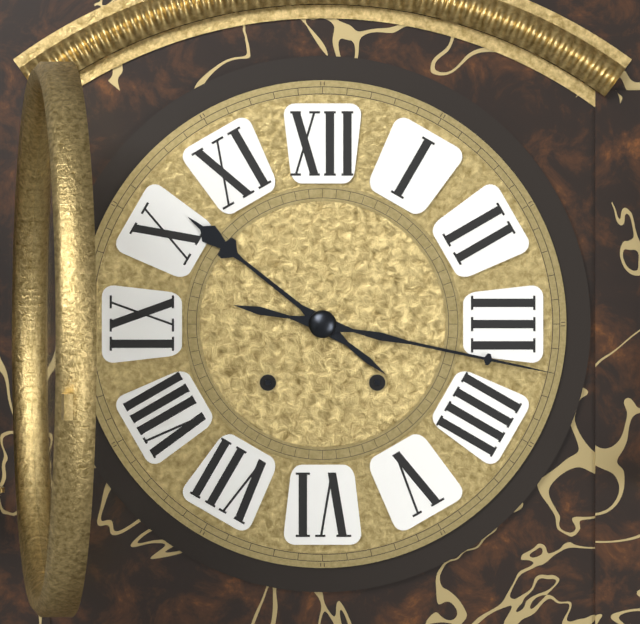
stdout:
h=10 m=17
